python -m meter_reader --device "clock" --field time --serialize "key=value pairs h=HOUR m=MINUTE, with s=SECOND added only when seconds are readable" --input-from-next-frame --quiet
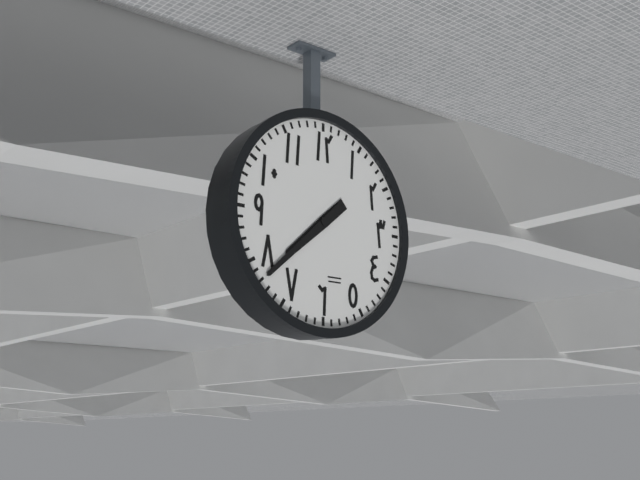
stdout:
h=7 m=38
